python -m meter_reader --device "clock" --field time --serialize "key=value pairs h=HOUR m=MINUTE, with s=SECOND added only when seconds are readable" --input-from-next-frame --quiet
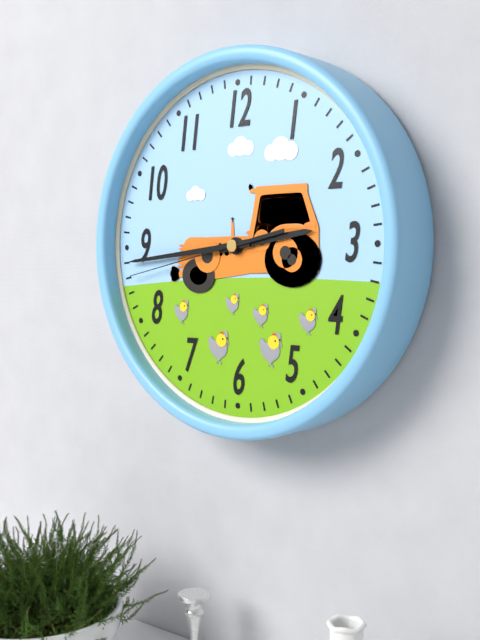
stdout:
h=2 m=44 s=43
